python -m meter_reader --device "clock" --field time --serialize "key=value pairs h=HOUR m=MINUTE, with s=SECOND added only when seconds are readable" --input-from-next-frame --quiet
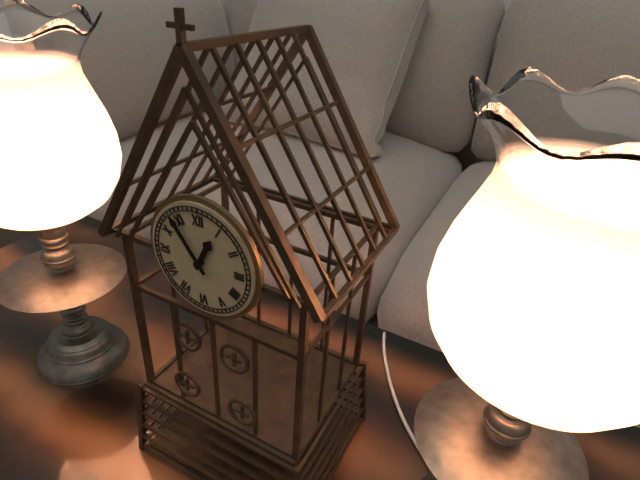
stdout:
h=12 m=54
